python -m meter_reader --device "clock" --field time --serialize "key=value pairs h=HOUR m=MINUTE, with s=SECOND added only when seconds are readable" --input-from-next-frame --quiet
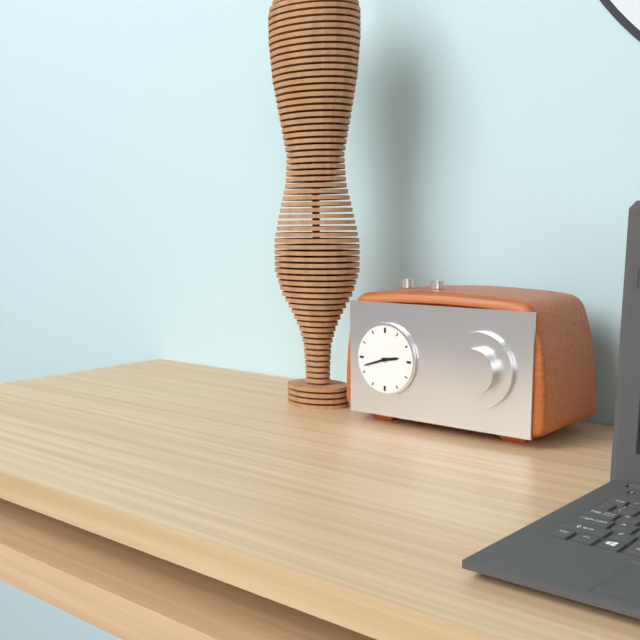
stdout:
h=2 m=42
